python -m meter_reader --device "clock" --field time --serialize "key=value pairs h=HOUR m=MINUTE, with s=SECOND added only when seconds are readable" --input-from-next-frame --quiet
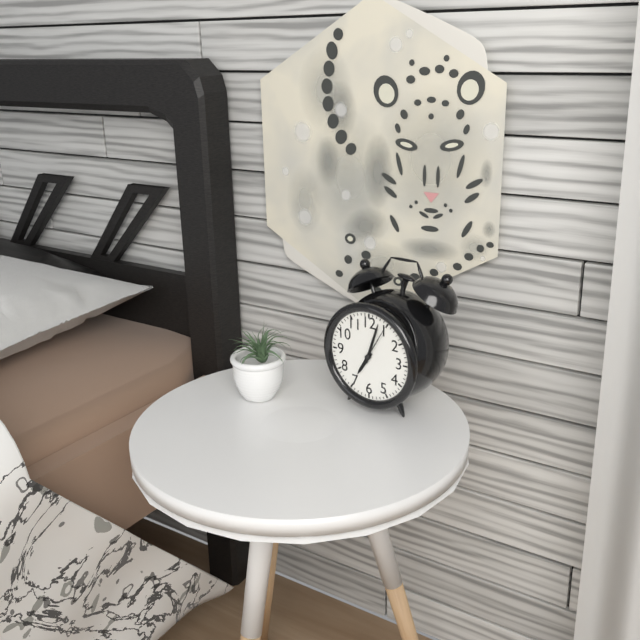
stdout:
h=7 m=3
